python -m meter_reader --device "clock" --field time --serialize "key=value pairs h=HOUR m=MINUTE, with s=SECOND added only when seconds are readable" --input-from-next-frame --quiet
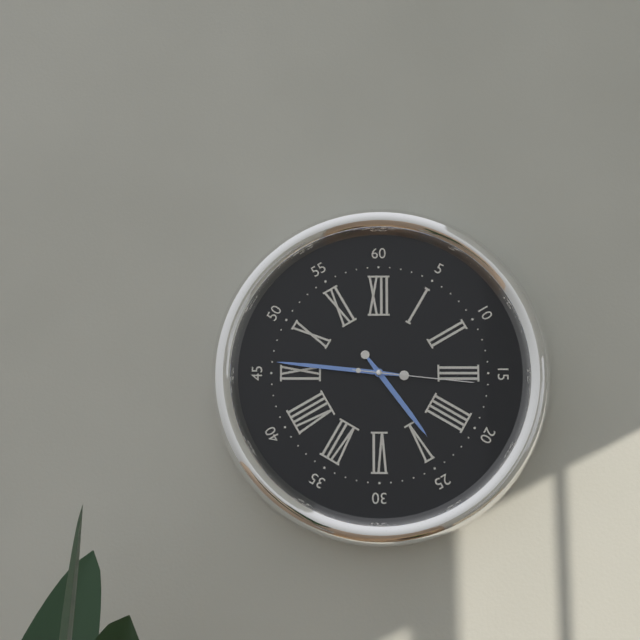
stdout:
h=4 m=46 s=16
